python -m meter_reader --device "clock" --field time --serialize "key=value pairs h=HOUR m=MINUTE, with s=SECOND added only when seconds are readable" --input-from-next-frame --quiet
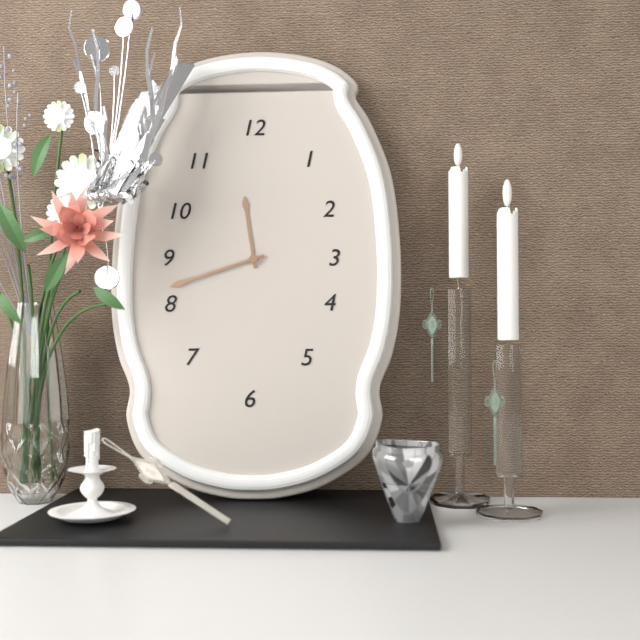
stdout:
h=11 m=42
